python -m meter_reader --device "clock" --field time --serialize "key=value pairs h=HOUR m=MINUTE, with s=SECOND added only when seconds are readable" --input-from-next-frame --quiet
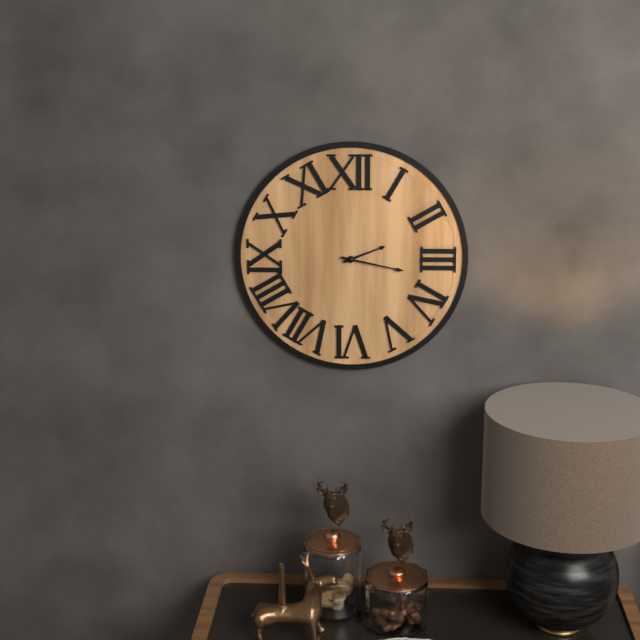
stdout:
h=2 m=17
